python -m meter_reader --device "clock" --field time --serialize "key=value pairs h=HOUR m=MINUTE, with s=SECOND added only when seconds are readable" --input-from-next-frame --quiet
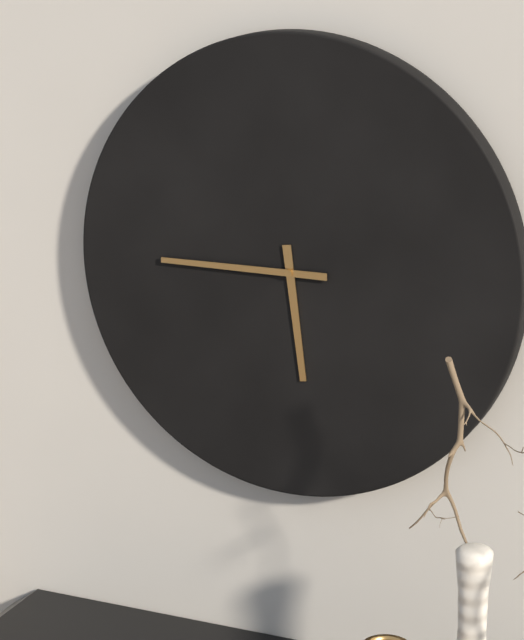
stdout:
h=5 m=45
